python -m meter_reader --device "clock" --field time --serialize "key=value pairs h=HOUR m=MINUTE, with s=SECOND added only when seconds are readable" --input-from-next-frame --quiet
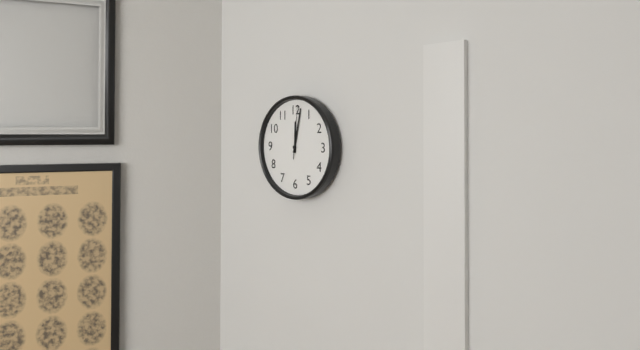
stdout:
h=12 m=2 s=1
